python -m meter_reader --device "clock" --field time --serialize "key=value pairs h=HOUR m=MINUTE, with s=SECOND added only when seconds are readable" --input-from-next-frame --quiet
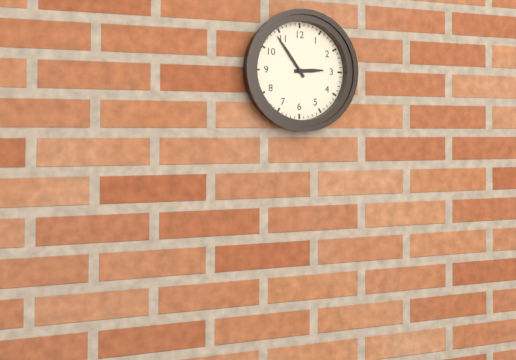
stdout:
h=2 m=54
